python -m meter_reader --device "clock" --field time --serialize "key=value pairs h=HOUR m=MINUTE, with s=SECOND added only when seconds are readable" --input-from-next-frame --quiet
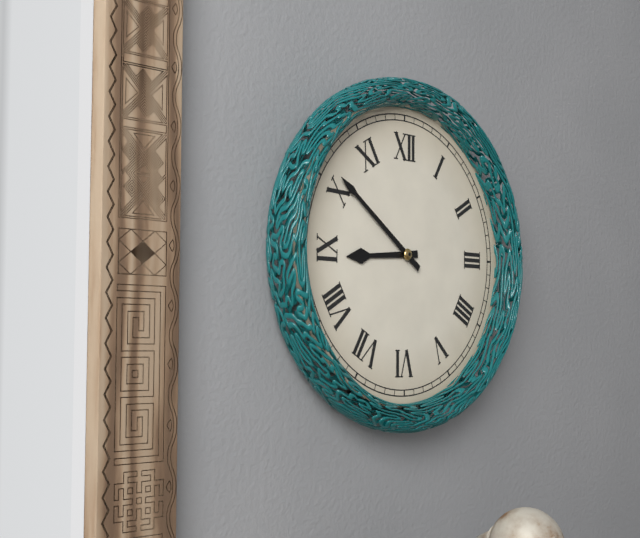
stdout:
h=8 m=51
